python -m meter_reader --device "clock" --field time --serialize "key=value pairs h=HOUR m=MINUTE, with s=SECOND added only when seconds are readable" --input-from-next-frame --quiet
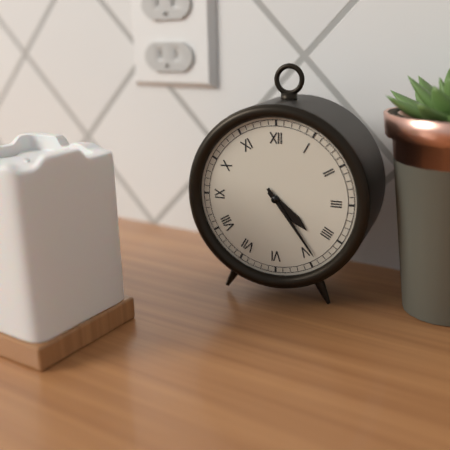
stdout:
h=4 m=24
